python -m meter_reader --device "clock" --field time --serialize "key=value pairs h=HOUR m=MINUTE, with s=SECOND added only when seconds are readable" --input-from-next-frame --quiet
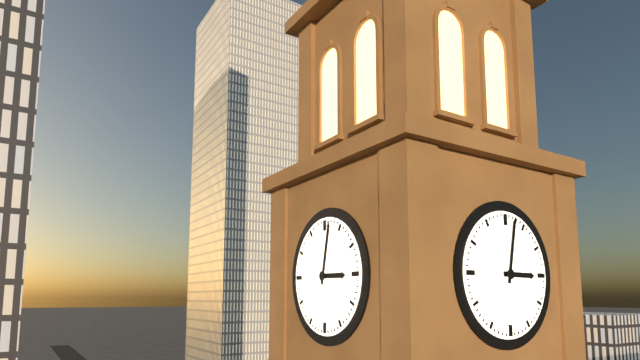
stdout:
h=3 m=2
